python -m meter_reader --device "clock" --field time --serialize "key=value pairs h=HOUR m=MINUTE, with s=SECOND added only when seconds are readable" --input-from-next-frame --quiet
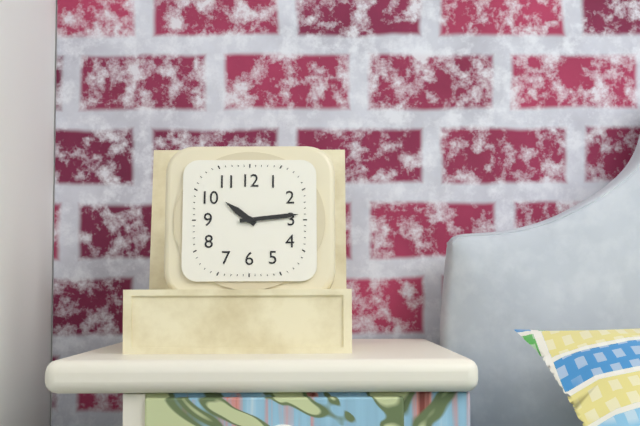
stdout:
h=10 m=14
